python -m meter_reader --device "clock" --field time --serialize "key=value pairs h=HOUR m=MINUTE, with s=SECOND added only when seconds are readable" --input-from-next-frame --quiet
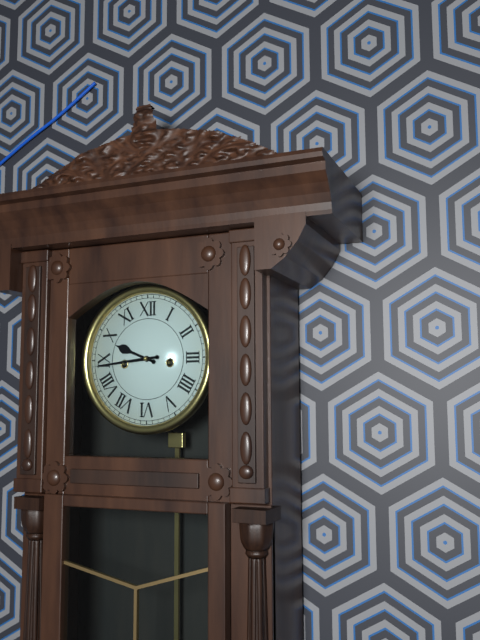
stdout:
h=9 m=44
